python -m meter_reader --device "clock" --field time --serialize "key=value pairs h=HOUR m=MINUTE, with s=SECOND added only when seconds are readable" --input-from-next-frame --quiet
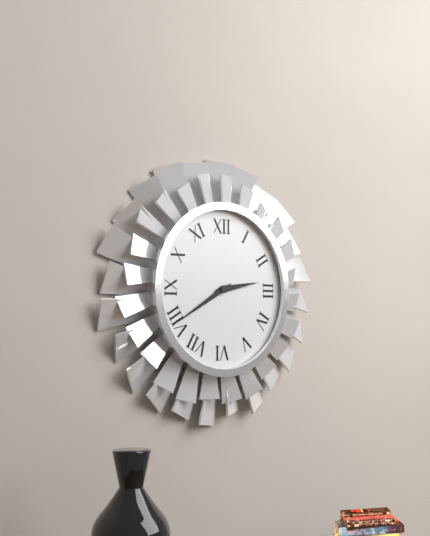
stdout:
h=2 m=40
